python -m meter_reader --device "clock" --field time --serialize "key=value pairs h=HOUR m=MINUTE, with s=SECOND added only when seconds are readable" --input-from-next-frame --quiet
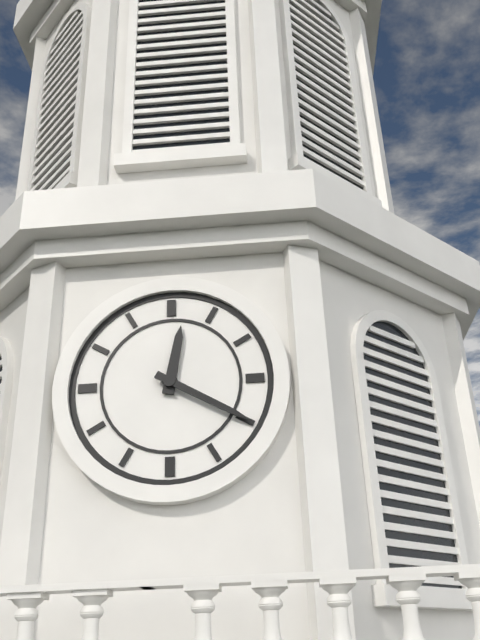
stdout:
h=12 m=20
